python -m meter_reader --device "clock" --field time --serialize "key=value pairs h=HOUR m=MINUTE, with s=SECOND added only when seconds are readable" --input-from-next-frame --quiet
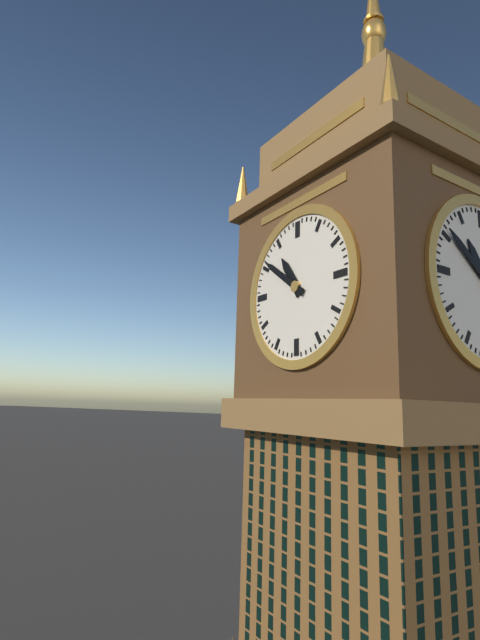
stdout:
h=10 m=51
